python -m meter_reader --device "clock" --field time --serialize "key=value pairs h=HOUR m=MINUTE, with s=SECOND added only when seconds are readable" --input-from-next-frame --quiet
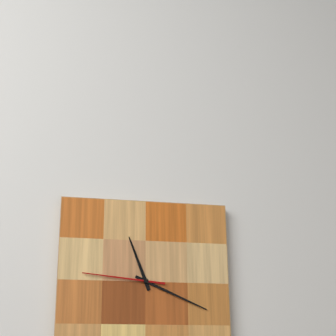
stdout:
h=11 m=19 s=46
